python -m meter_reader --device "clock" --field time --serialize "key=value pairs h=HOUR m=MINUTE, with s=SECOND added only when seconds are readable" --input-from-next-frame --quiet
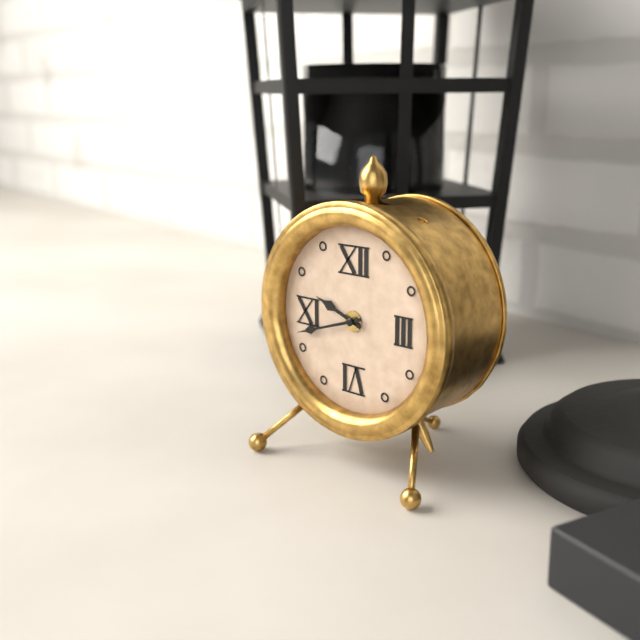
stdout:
h=9 m=42
